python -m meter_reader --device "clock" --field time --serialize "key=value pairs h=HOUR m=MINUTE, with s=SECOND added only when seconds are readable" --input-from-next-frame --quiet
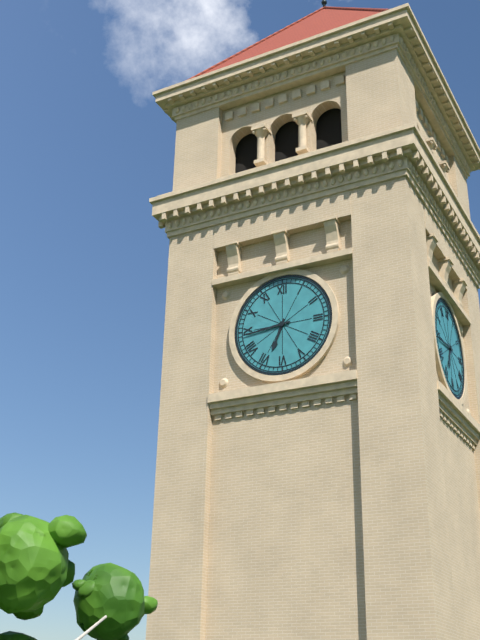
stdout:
h=6 m=44
